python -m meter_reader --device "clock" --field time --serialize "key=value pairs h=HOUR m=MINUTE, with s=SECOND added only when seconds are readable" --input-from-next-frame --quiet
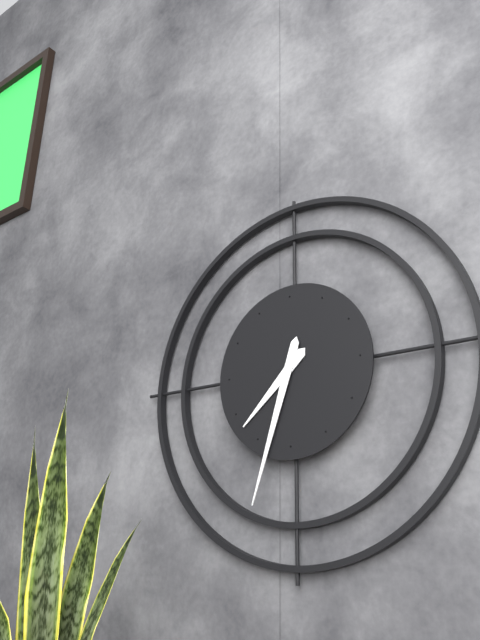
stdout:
h=7 m=33
